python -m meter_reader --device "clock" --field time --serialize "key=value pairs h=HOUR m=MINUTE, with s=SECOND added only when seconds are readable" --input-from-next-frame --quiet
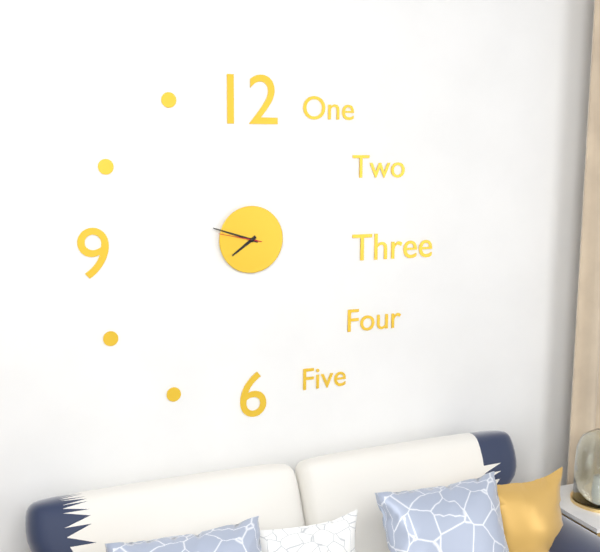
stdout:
h=7 m=48
